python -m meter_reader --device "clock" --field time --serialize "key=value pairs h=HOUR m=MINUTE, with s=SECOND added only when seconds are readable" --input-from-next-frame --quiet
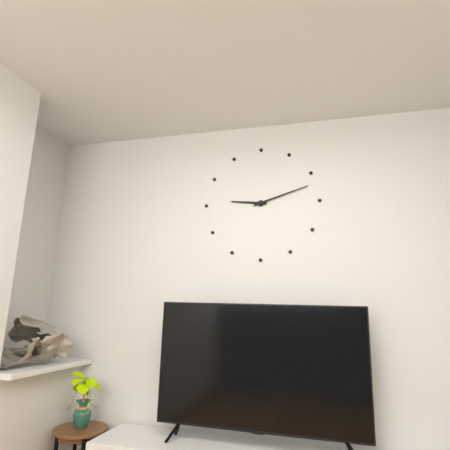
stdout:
h=9 m=12
